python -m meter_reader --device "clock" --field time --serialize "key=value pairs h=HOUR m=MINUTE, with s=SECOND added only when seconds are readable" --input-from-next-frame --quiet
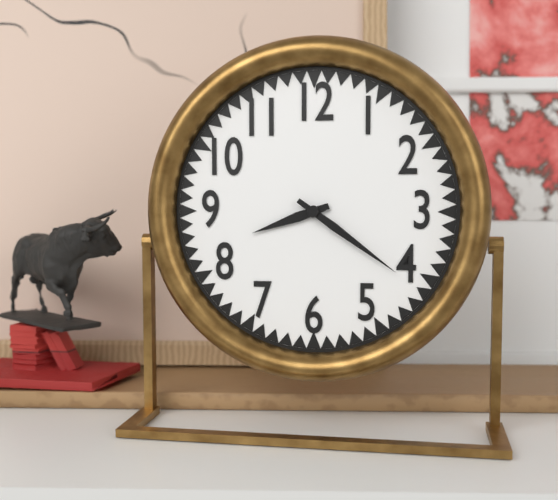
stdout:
h=8 m=21
